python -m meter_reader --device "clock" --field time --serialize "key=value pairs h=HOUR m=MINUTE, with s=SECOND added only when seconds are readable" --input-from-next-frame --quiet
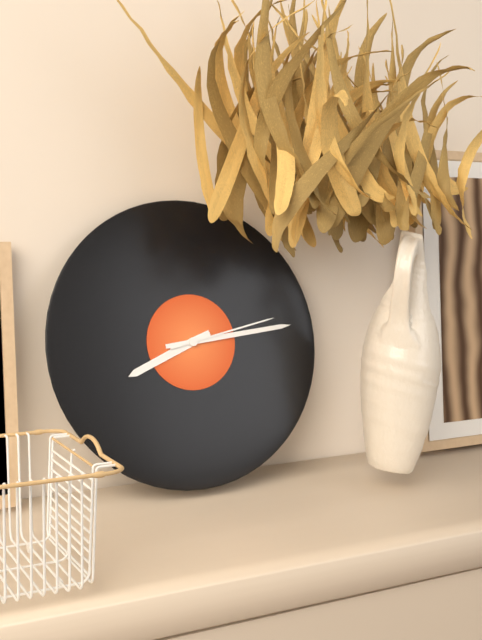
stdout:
h=8 m=14 s=13
